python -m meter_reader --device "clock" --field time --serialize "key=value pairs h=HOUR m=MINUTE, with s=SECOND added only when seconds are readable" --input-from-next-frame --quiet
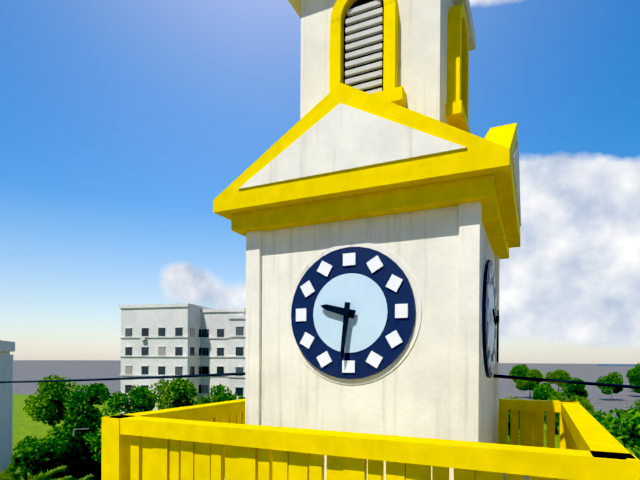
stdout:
h=9 m=31
